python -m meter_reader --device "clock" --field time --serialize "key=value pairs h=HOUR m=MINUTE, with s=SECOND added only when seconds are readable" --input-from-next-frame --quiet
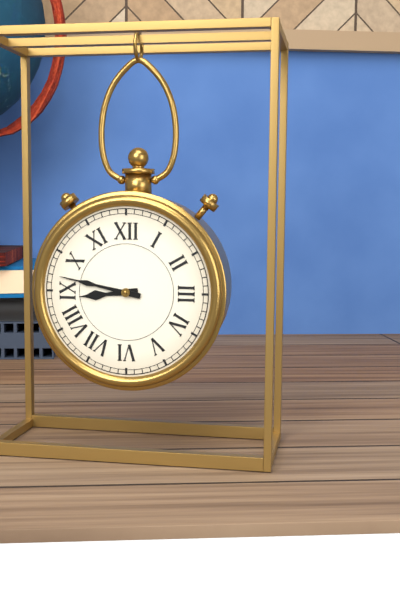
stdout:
h=8 m=47
